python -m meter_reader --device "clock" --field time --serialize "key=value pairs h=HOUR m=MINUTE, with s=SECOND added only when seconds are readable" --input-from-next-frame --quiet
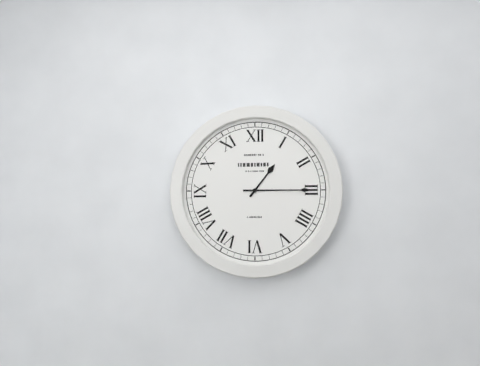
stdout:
h=1 m=15
